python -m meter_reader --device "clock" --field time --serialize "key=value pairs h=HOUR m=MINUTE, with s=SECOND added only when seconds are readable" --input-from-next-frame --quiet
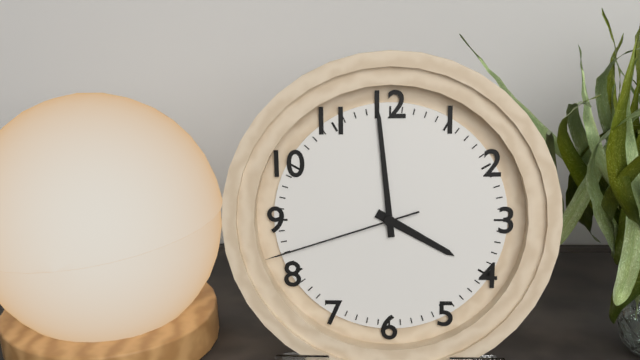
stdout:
h=3 m=59 s=42
